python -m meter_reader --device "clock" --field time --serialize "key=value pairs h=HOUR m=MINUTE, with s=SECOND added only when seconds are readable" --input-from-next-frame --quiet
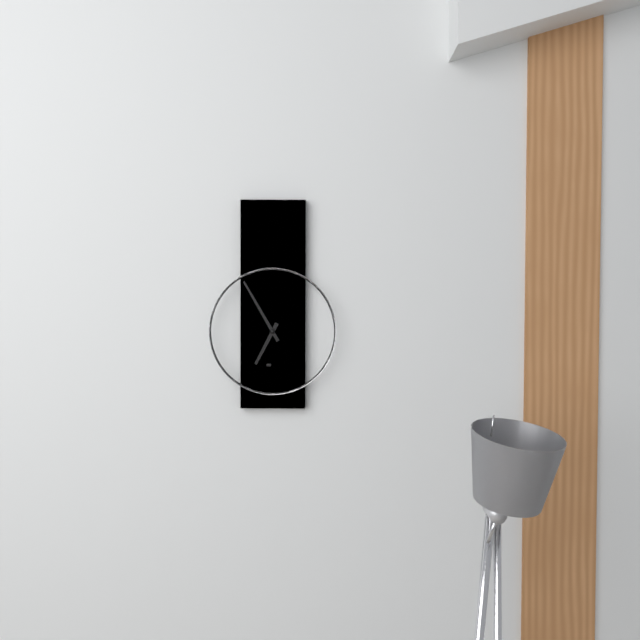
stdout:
h=6 m=55
